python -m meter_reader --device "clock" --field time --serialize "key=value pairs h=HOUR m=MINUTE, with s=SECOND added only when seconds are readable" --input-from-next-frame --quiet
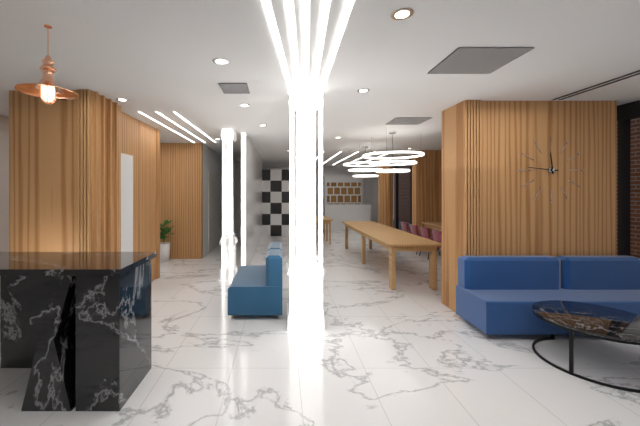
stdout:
h=11 m=46
